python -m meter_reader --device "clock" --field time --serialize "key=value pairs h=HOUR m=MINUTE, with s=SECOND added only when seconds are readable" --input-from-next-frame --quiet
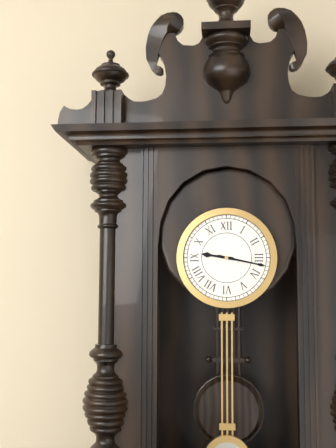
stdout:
h=9 m=17
